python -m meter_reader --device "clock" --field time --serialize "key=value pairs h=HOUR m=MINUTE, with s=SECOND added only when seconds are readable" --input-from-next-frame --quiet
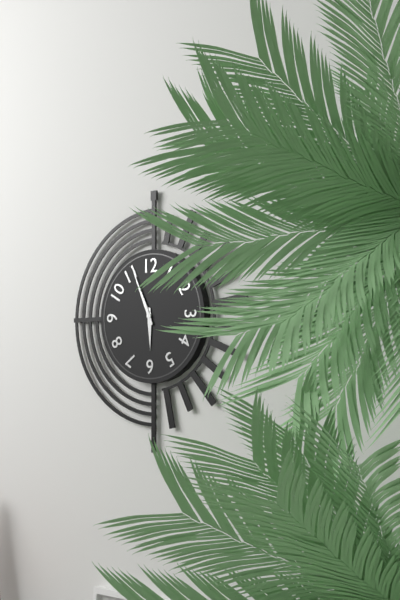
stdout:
h=5 m=56
